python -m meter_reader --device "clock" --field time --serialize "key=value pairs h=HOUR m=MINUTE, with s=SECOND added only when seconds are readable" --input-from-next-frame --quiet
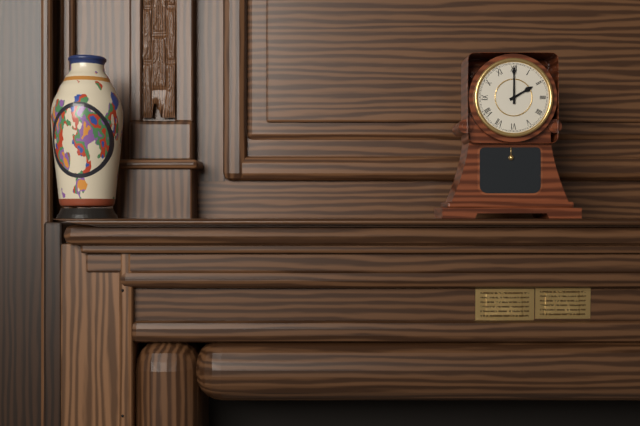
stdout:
h=2 m=0
